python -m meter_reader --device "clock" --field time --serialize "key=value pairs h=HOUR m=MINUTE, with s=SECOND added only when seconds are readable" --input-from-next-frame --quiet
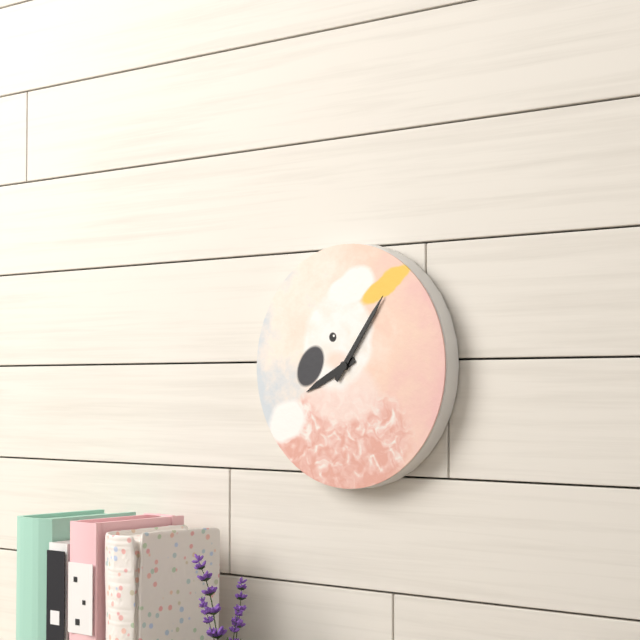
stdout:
h=8 m=6
